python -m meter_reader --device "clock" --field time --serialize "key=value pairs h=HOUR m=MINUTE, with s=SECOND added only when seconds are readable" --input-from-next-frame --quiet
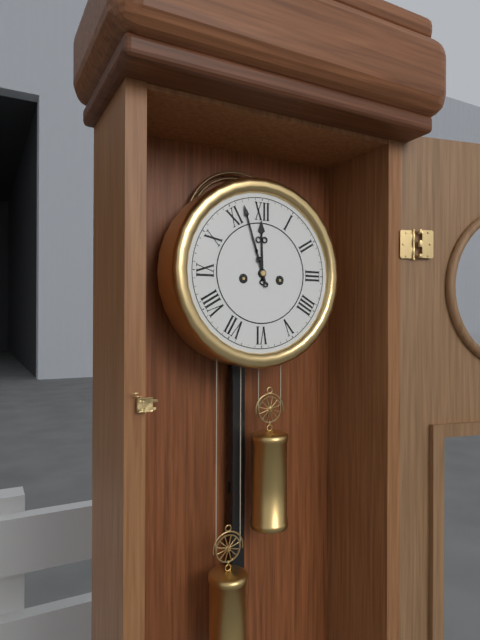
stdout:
h=11 m=57
